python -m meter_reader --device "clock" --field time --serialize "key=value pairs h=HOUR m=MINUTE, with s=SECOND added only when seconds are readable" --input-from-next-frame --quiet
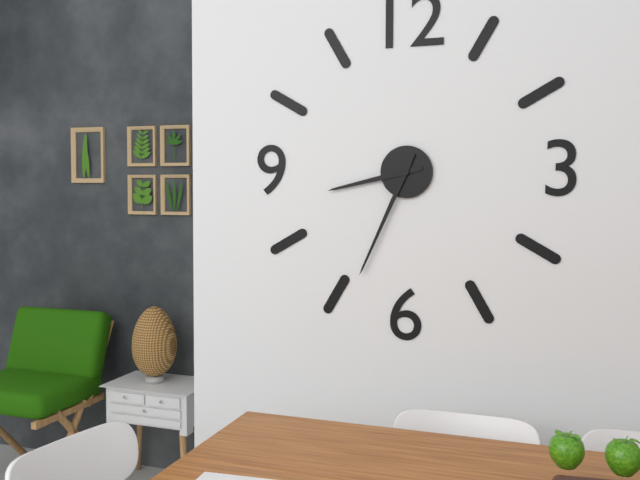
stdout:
h=8 m=34
